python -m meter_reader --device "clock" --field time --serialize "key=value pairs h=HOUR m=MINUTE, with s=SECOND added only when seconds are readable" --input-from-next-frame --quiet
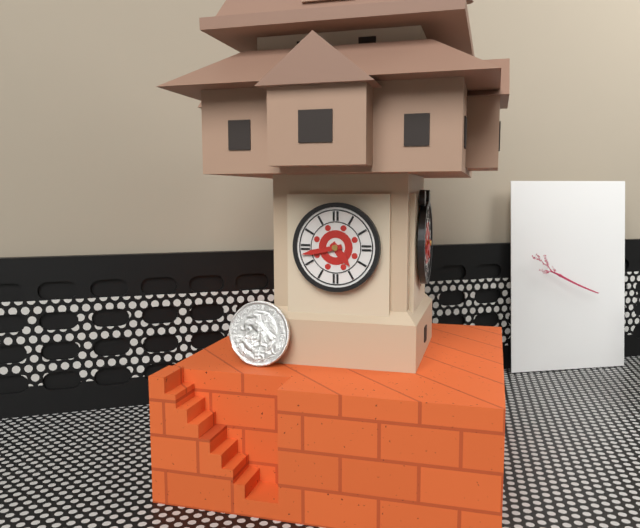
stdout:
h=4 m=43
